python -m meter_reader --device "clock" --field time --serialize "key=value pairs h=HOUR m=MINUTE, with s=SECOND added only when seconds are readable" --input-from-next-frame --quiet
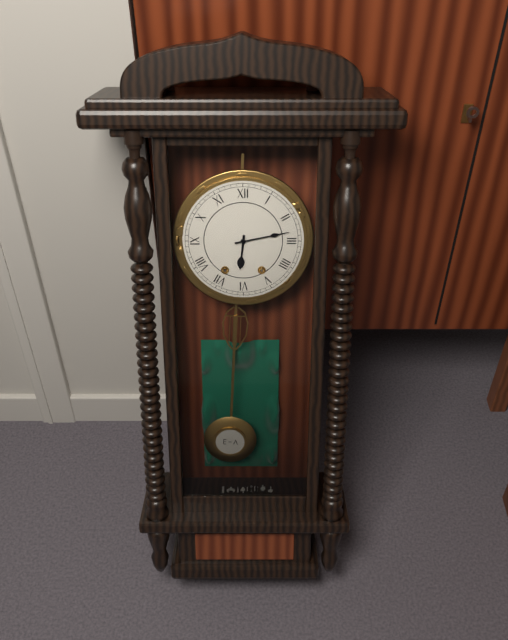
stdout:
h=6 m=13
